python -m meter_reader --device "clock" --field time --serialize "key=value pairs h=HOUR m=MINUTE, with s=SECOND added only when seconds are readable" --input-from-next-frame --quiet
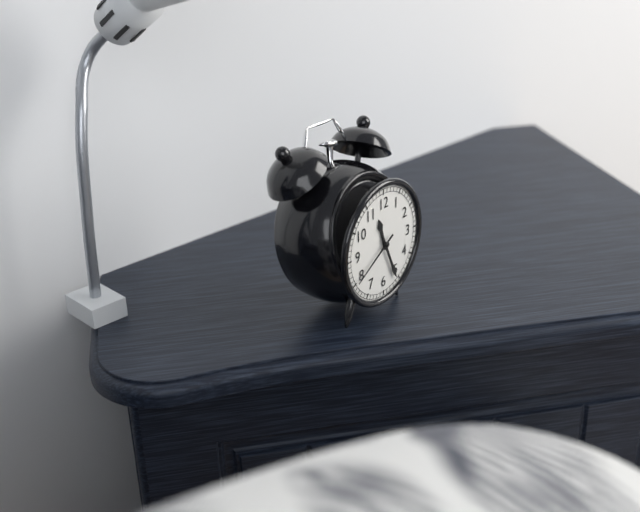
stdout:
h=11 m=26 s=40
